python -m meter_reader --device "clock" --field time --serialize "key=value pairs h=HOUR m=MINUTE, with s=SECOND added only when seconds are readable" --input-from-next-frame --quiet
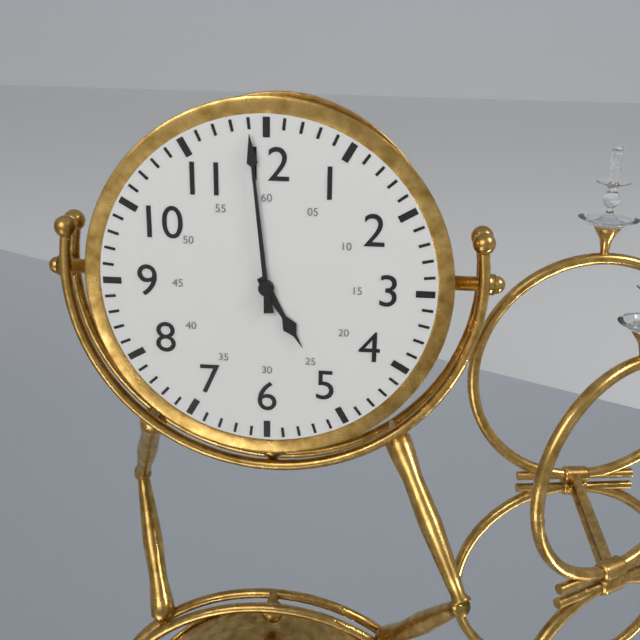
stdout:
h=4 m=59
